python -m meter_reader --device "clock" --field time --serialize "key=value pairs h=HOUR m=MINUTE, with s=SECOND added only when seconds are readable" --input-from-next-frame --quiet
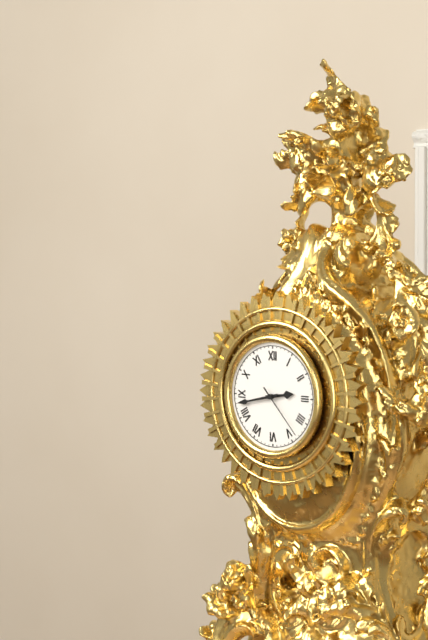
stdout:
h=2 m=43 s=23
